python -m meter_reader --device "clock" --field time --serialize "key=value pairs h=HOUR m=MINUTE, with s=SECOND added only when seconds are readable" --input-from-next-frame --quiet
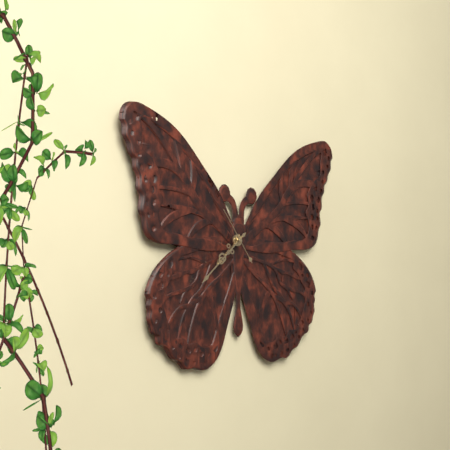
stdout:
h=7 m=38
